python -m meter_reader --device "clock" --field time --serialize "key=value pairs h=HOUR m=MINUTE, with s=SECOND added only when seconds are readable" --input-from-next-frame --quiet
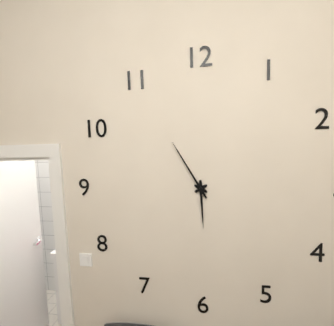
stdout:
h=5 m=55
